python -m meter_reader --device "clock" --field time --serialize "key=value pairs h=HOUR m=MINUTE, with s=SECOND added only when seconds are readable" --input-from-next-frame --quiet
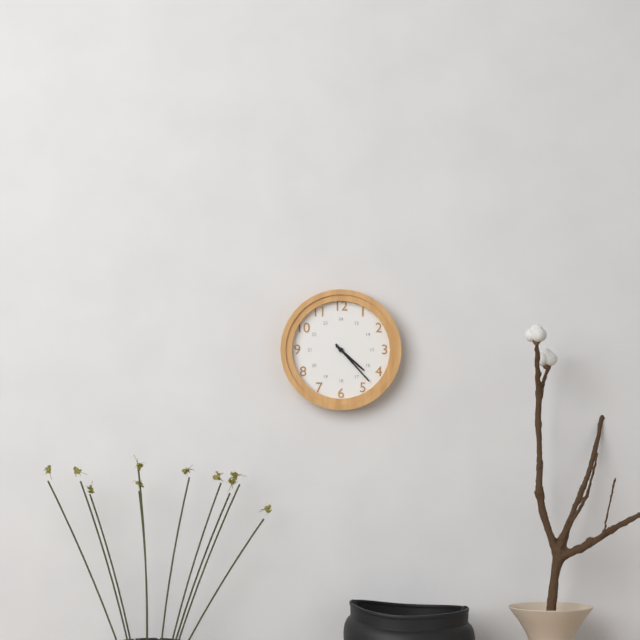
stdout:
h=4 m=23
